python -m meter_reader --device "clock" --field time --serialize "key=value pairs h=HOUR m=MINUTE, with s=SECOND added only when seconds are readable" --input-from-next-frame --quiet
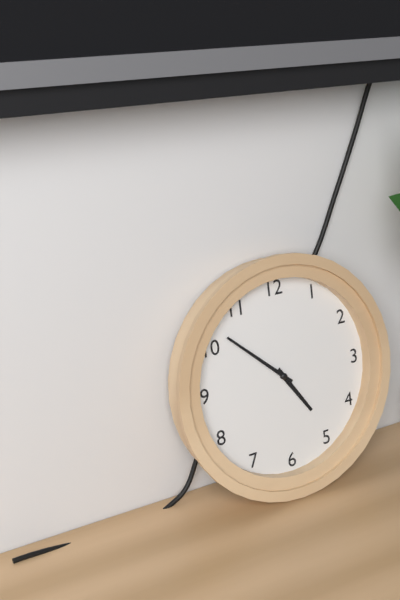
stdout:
h=4 m=52
